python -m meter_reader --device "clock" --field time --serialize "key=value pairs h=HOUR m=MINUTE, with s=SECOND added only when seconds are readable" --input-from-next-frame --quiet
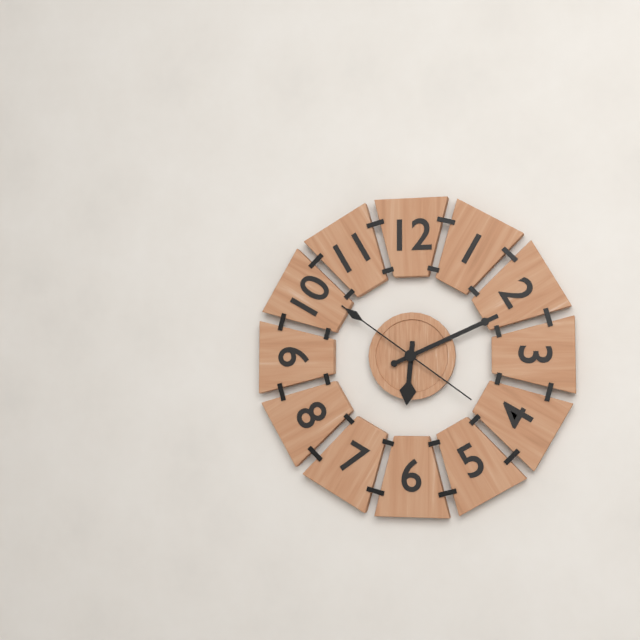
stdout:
h=6 m=11 s=51
